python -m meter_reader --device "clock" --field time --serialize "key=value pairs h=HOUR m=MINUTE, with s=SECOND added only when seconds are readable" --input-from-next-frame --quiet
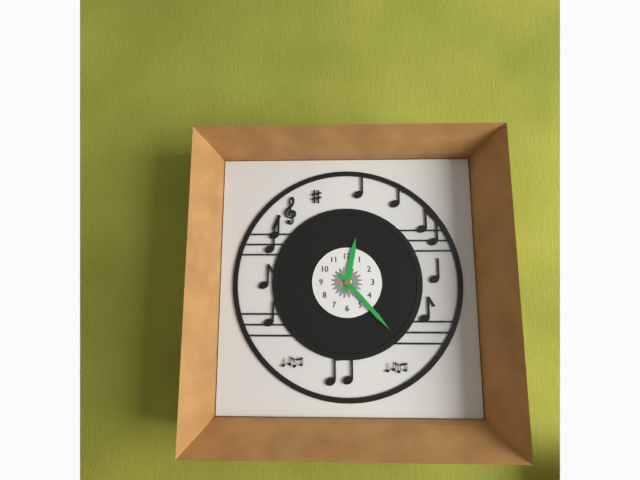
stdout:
h=12 m=23
